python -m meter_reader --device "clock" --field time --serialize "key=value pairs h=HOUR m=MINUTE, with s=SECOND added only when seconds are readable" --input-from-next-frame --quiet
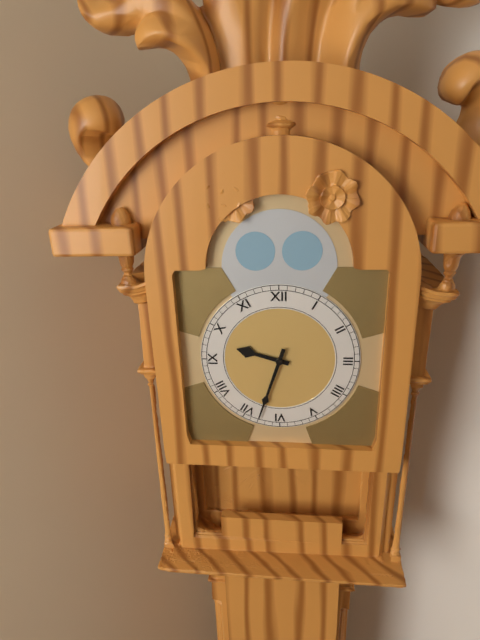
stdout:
h=9 m=33
